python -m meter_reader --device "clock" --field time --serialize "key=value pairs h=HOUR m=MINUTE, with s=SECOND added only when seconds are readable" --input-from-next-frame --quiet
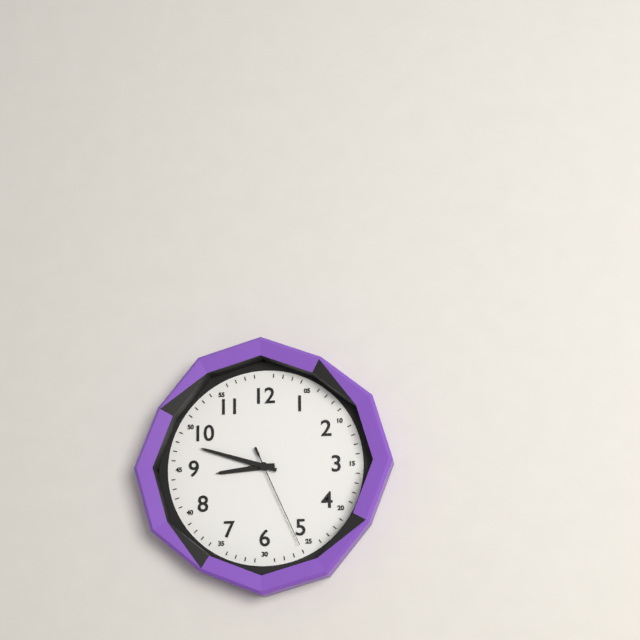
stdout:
h=8 m=48 s=26
